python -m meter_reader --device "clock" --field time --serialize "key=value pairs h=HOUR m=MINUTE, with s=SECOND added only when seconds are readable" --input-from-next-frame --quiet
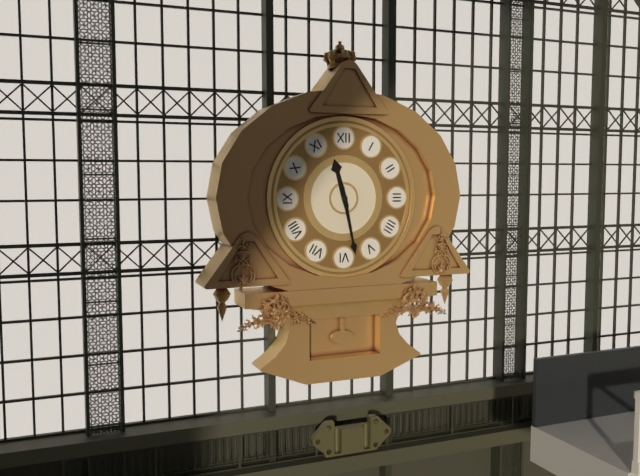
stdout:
h=11 m=28
